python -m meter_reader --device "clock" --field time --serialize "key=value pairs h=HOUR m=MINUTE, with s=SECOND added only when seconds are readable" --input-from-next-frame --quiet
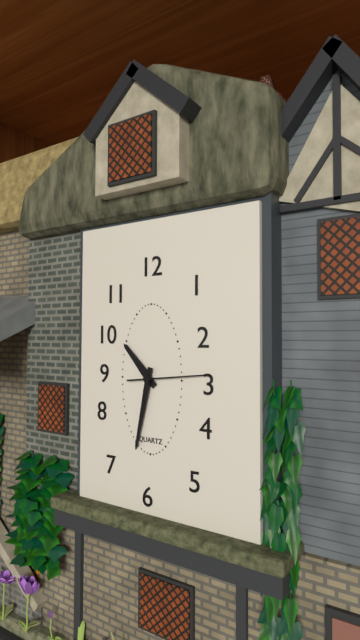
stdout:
h=10 m=32 s=14
